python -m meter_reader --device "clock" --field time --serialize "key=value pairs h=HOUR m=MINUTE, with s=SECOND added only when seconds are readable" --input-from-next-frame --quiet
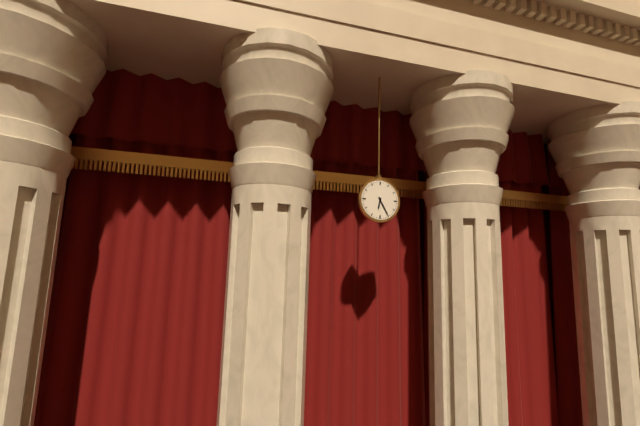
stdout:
h=6 m=25
